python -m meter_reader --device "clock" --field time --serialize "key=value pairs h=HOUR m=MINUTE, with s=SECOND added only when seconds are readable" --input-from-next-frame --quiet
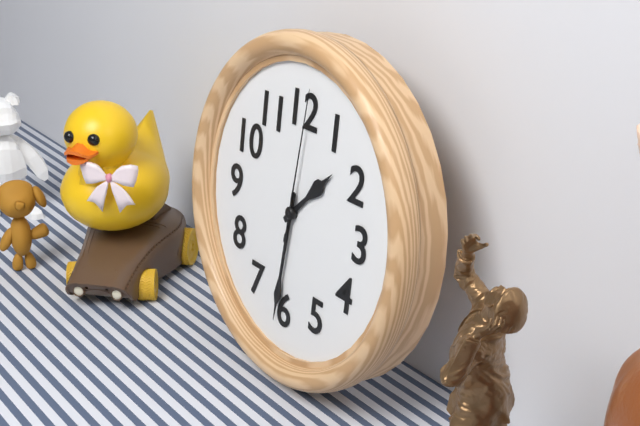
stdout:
h=1 m=31 s=1
